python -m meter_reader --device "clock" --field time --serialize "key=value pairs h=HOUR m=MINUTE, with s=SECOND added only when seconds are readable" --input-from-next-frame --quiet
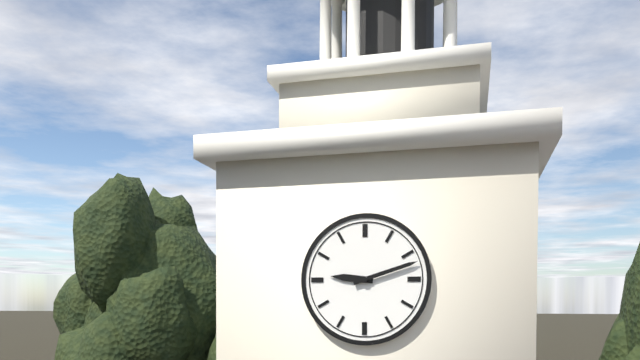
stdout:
h=9 m=12
